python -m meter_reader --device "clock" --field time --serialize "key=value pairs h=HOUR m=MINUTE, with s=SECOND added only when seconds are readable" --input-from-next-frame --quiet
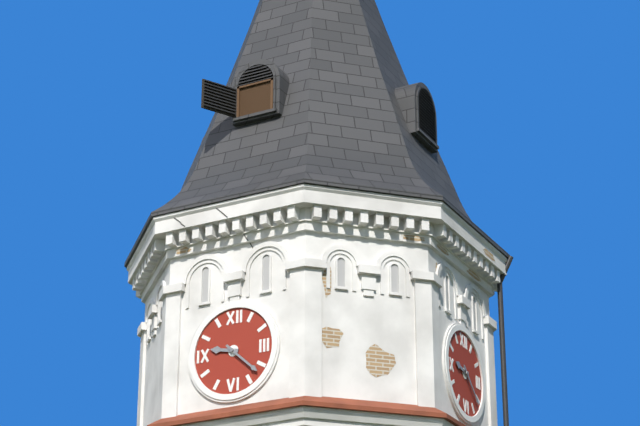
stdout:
h=9 m=22
